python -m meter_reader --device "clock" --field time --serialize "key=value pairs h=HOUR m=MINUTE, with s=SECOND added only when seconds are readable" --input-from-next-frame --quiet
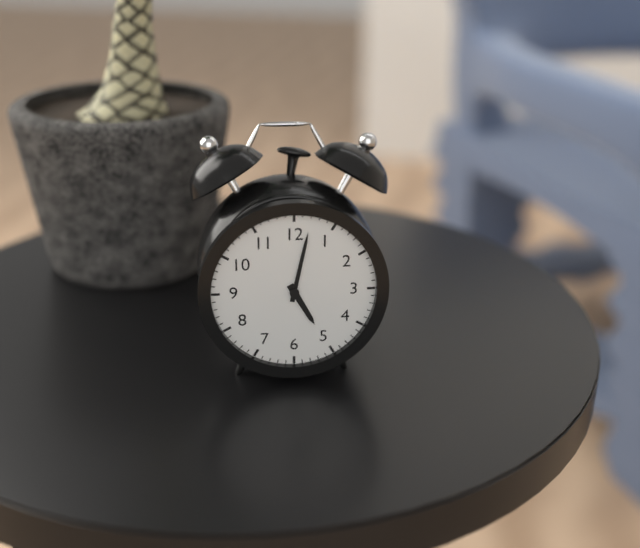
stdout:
h=5 m=2
